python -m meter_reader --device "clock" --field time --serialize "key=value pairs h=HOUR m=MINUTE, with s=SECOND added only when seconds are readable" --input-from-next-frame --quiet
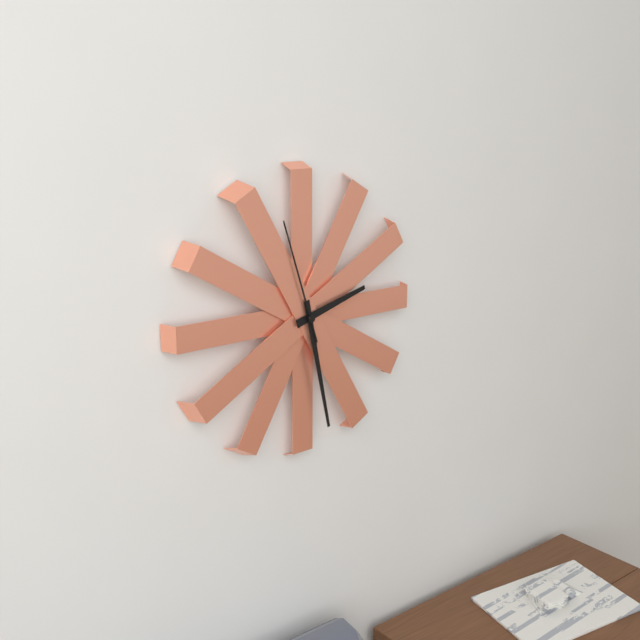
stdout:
h=2 m=28 s=57
